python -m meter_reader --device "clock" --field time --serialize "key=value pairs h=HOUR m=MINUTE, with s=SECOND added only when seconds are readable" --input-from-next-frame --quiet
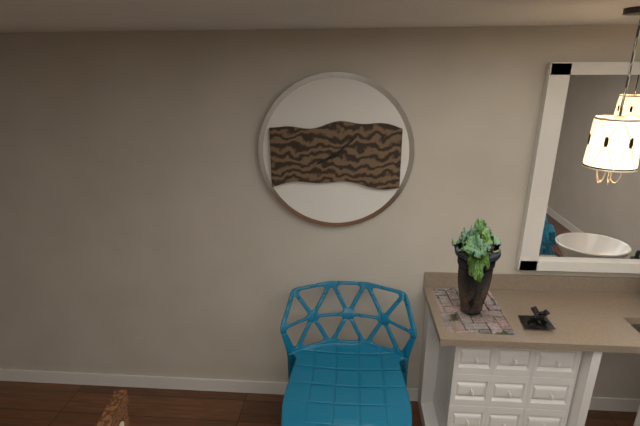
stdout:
h=8 m=8
